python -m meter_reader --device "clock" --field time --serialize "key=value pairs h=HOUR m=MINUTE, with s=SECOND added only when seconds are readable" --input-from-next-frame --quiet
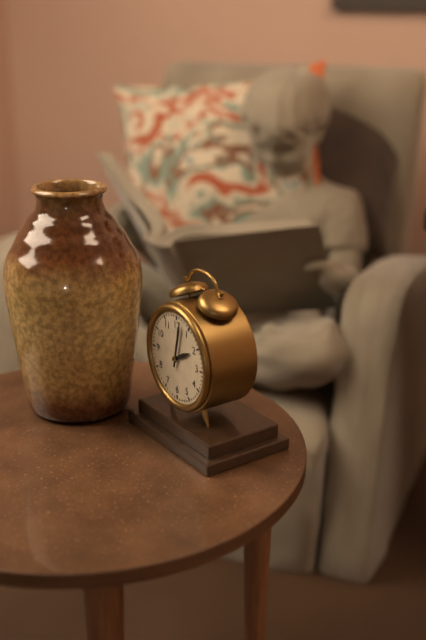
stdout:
h=2 m=2
